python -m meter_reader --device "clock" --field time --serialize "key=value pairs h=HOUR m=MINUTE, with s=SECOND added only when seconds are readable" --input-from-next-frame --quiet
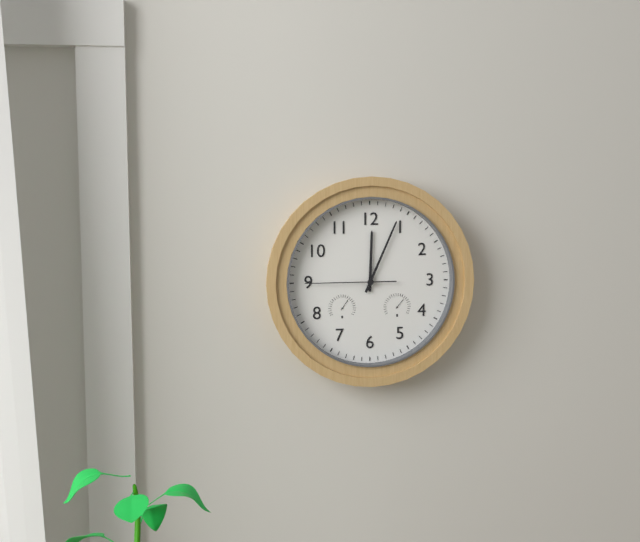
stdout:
h=12 m=4 s=45
